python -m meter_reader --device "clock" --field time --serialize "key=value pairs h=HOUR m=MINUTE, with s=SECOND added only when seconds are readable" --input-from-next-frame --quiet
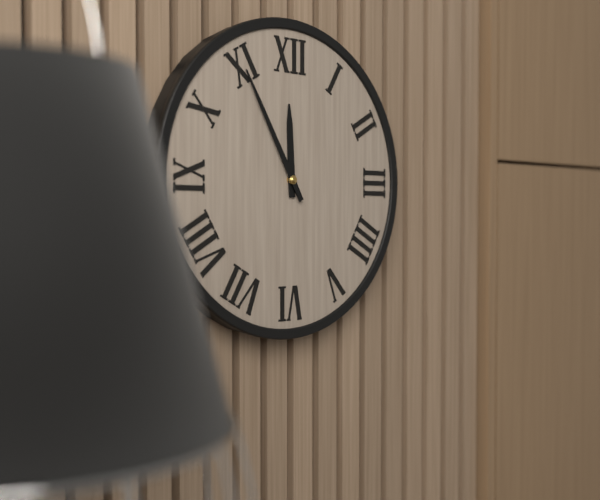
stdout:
h=11 m=55
